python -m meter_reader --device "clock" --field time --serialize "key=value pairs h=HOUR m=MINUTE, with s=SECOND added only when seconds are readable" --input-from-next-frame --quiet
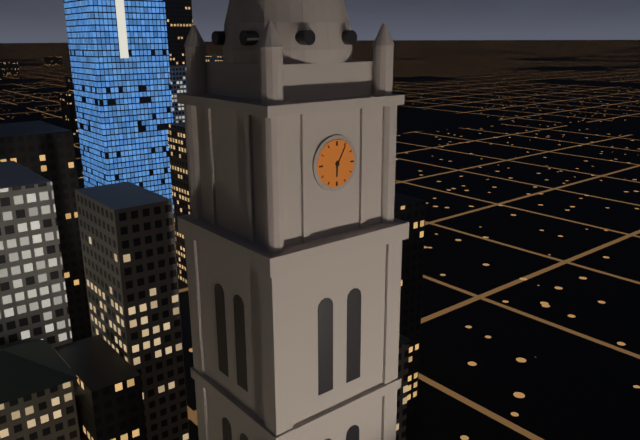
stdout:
h=6 m=5
